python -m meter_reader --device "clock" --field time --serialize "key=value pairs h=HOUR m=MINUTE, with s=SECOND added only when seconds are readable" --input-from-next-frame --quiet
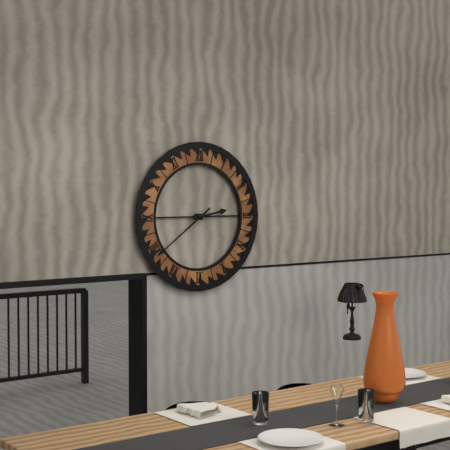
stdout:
h=2 m=39
